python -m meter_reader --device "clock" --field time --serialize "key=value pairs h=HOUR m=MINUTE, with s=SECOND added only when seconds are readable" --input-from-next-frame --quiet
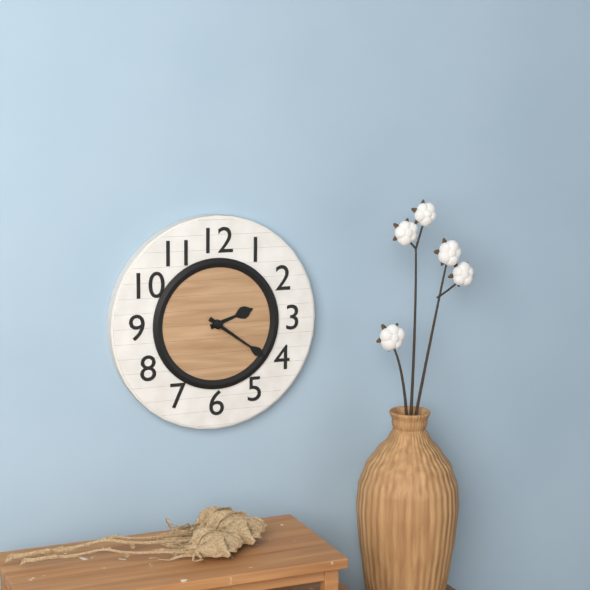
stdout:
h=2 m=21
